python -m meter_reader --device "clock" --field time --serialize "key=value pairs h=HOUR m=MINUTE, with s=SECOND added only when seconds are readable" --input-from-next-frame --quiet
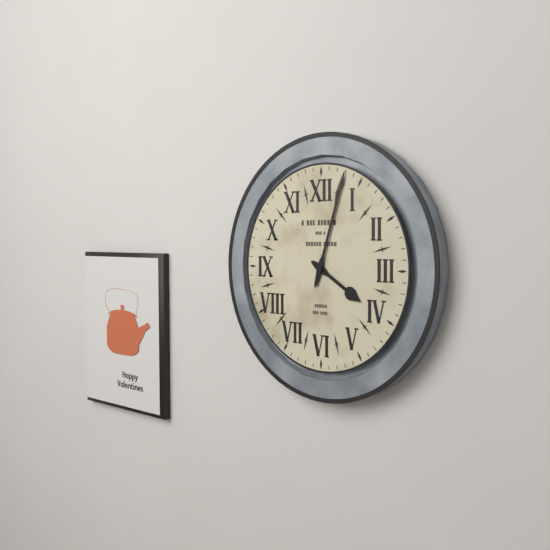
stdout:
h=4 m=3
